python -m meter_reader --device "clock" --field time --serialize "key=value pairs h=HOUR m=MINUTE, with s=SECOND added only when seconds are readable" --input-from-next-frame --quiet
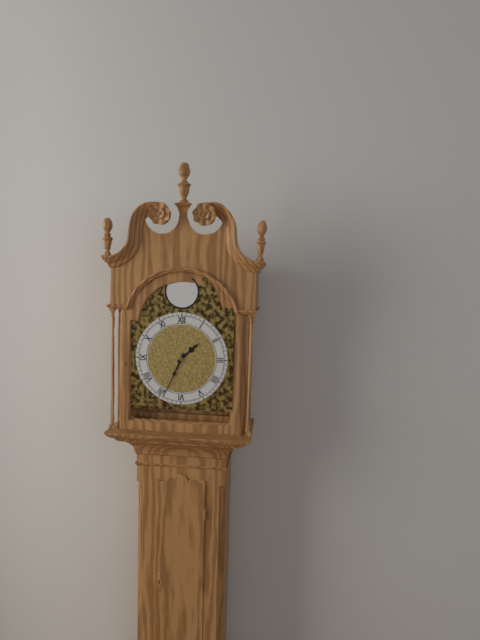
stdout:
h=1 m=34
